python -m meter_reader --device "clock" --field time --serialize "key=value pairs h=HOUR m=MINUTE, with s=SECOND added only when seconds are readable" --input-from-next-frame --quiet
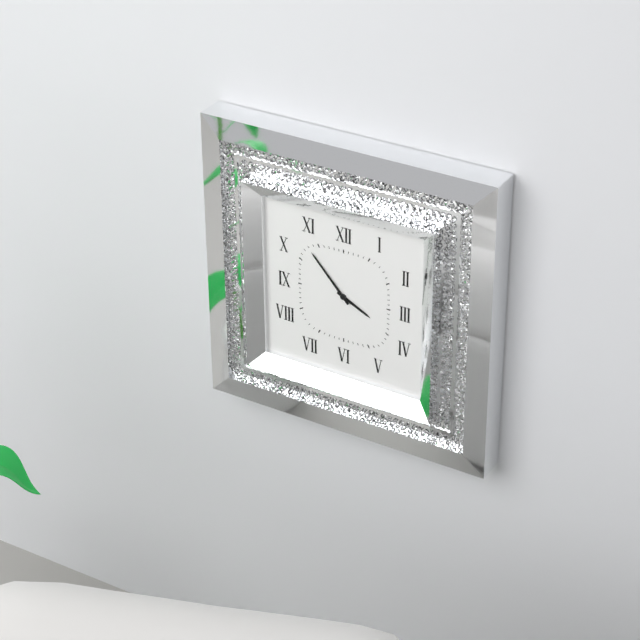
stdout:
h=3 m=53
